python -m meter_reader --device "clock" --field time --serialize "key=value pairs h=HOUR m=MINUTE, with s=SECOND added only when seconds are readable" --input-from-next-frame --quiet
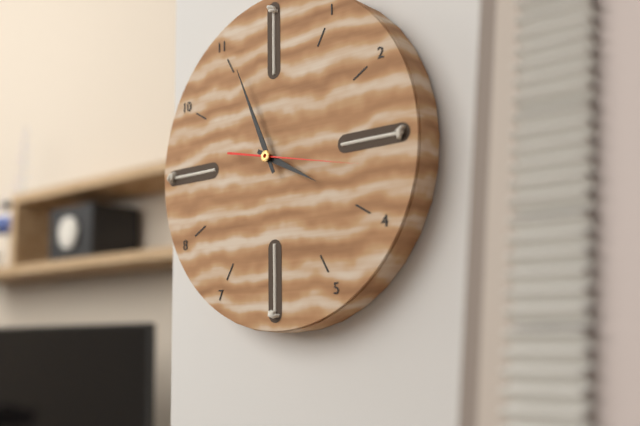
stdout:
h=3 m=56 s=17
